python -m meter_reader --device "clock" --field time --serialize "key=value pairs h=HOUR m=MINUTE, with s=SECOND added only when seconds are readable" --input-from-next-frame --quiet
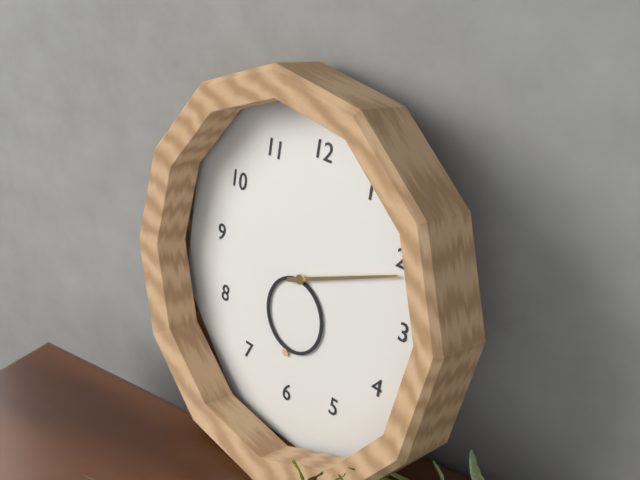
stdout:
h=6 m=11
